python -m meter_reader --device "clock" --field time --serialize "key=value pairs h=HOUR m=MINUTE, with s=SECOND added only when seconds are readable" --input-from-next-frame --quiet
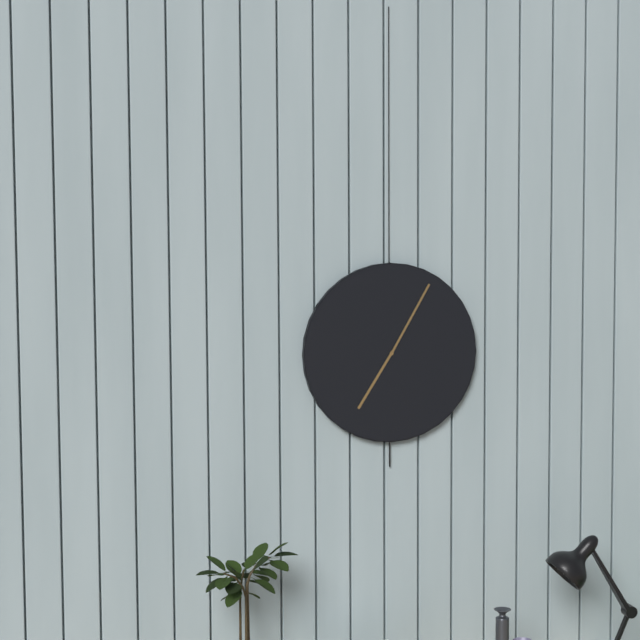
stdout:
h=7 m=5
